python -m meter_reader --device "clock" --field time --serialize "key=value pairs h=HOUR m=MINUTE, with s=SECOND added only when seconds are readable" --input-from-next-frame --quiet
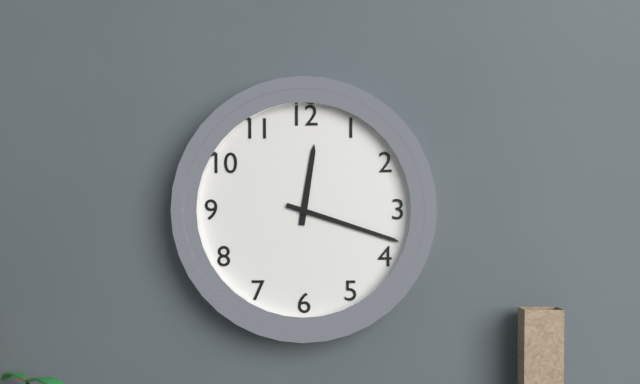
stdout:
h=12 m=18
